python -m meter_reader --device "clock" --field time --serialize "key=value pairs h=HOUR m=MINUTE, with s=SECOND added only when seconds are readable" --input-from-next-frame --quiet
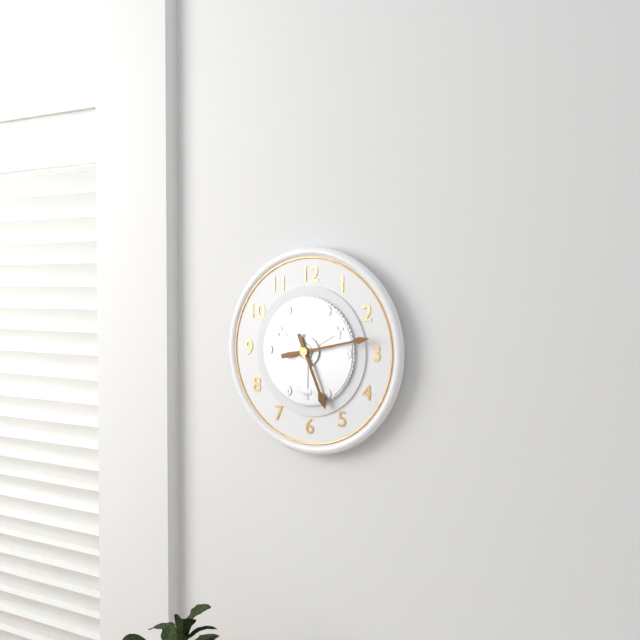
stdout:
h=5 m=13
